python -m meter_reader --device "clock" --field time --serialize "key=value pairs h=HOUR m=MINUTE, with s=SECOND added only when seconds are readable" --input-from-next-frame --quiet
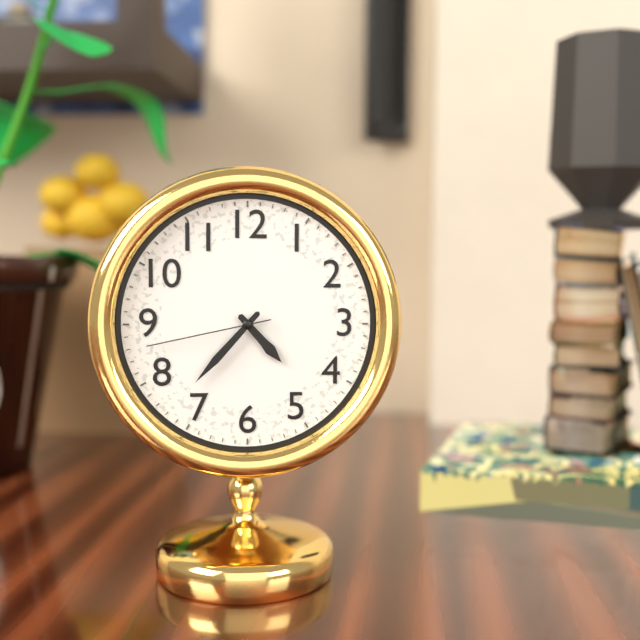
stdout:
h=4 m=37 s=43
